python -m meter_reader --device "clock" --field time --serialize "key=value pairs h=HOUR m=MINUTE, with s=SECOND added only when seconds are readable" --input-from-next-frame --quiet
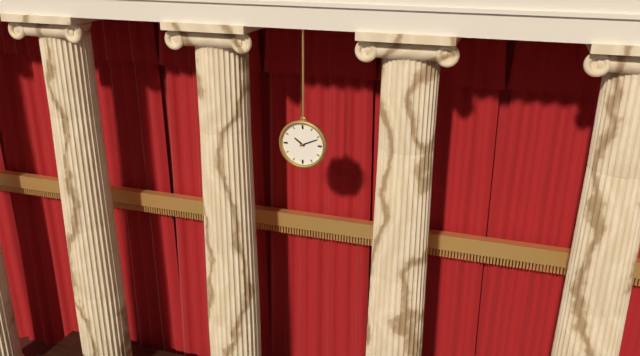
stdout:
h=10 m=11
